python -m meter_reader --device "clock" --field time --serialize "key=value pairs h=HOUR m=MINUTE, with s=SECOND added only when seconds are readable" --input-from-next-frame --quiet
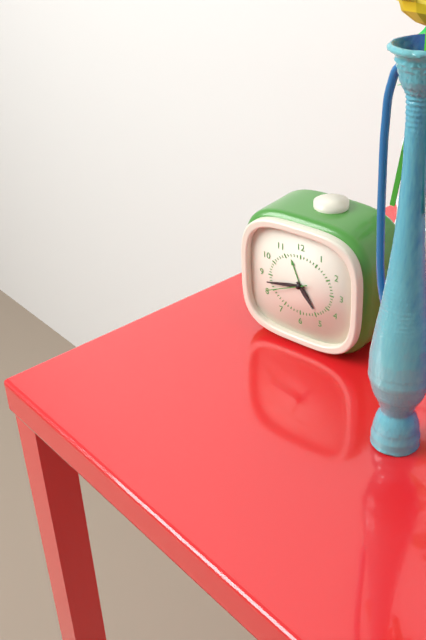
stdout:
h=4 m=43
